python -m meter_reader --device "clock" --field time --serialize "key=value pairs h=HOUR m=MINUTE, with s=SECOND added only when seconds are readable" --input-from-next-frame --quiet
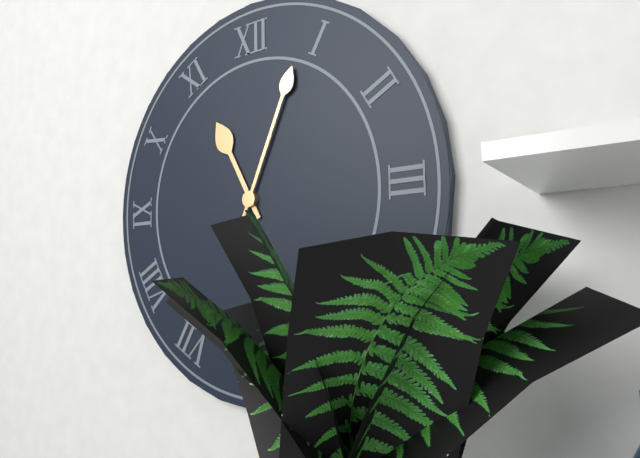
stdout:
h=11 m=4
